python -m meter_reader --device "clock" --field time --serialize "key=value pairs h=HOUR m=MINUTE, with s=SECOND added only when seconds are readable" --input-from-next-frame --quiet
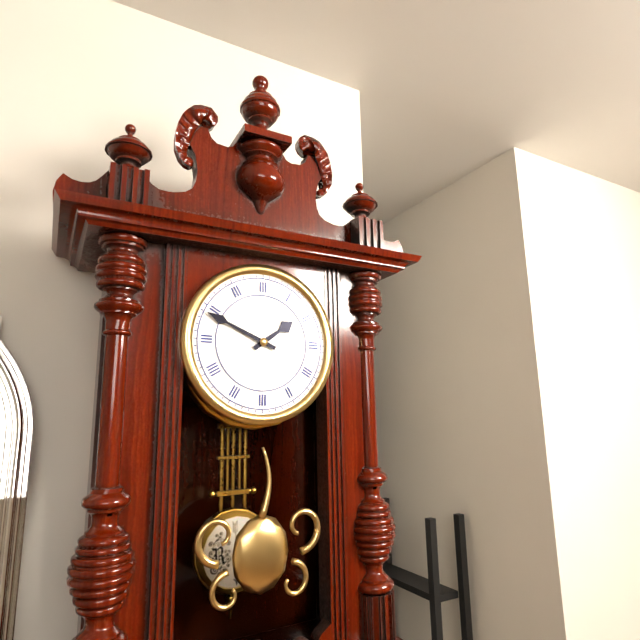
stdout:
h=1 m=49
